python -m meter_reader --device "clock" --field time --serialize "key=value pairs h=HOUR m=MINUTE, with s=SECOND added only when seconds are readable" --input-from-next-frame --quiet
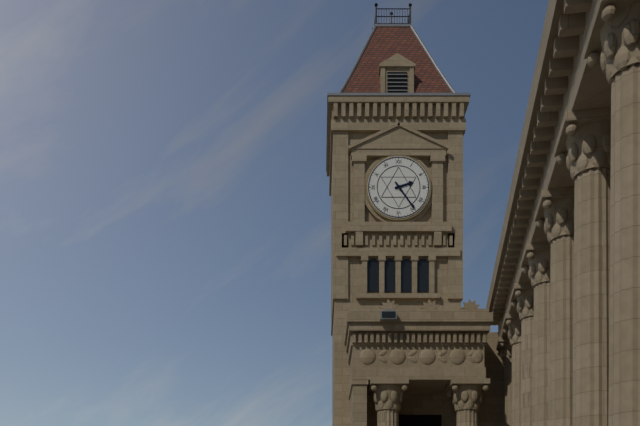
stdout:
h=2 m=24
